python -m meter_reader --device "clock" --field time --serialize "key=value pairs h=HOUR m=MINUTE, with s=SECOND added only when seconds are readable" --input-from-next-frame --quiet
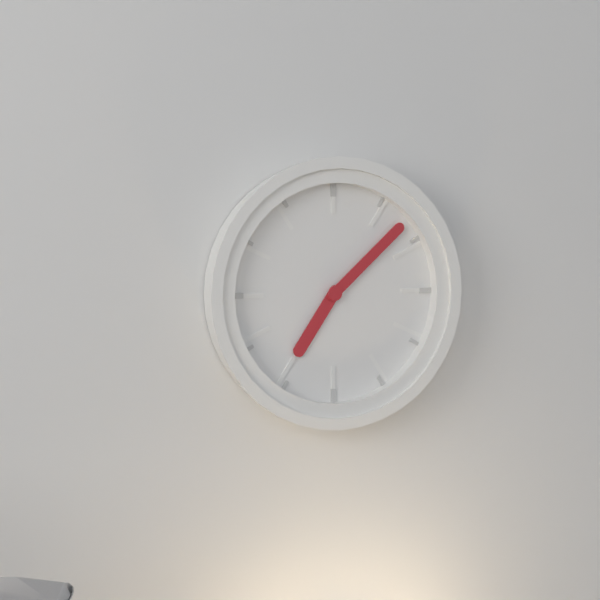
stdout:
h=7 m=8
